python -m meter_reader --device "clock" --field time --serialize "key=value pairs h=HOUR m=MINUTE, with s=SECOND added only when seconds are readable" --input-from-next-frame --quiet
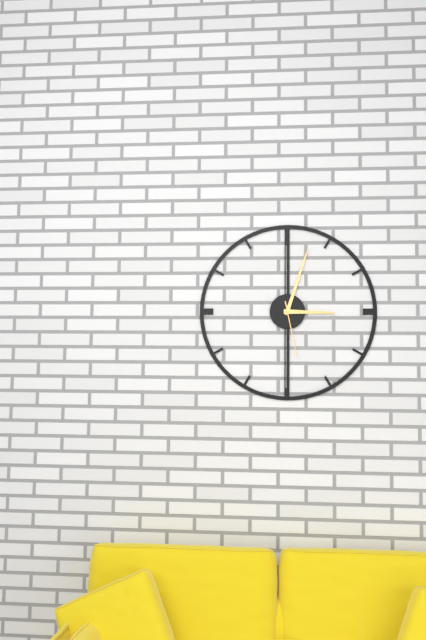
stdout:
h=3 m=3 s=28
